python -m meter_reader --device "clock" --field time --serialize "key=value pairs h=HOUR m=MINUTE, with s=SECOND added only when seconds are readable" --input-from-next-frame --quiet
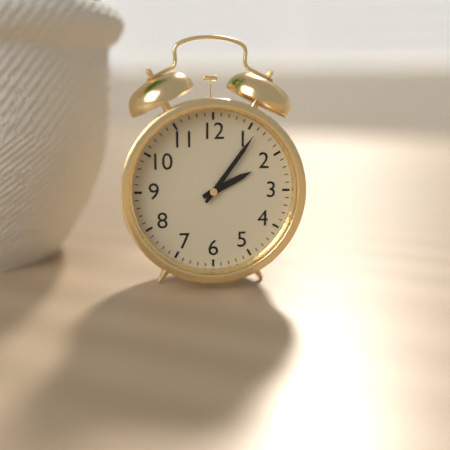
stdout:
h=2 m=6
